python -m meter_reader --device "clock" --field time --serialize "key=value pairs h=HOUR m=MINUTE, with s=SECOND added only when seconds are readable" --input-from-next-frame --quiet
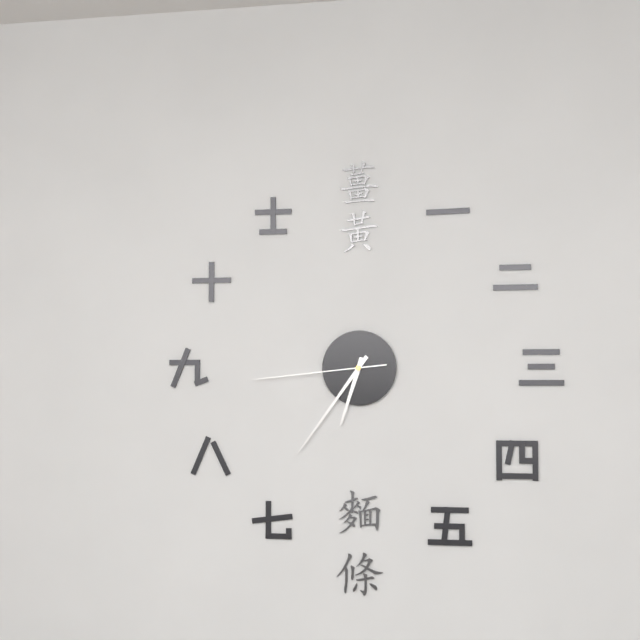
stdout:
h=6 m=36 s=44
